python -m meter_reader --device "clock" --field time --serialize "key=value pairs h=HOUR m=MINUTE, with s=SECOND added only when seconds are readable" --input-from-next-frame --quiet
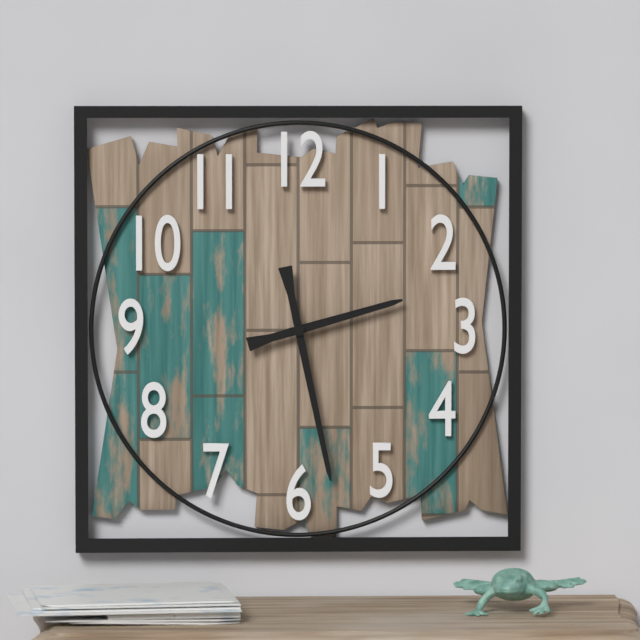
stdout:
h=2 m=28
